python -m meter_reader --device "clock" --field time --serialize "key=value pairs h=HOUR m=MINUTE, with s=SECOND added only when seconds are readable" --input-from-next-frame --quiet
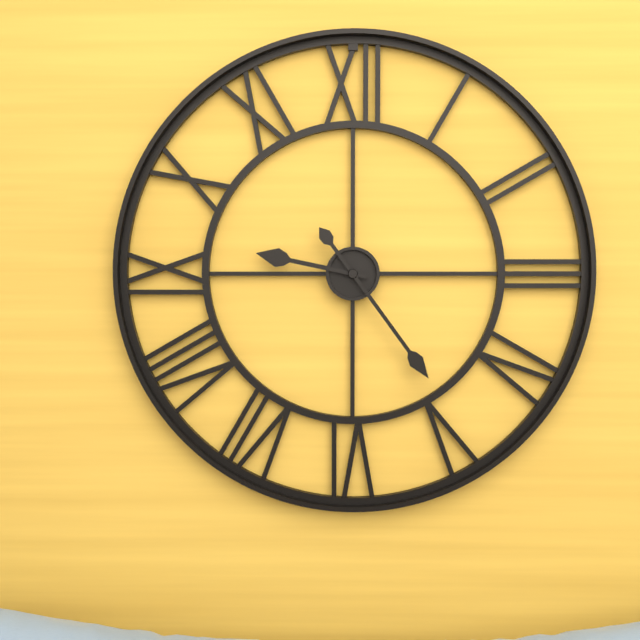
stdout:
h=9 m=24
